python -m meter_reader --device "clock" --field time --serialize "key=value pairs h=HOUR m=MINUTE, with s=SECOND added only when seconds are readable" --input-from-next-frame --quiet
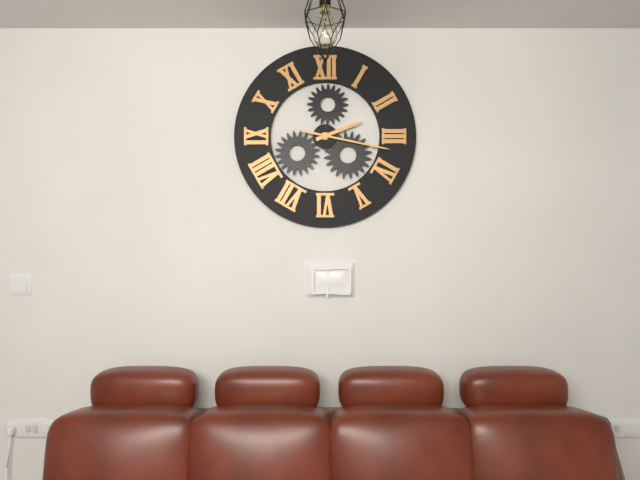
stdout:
h=2 m=17
